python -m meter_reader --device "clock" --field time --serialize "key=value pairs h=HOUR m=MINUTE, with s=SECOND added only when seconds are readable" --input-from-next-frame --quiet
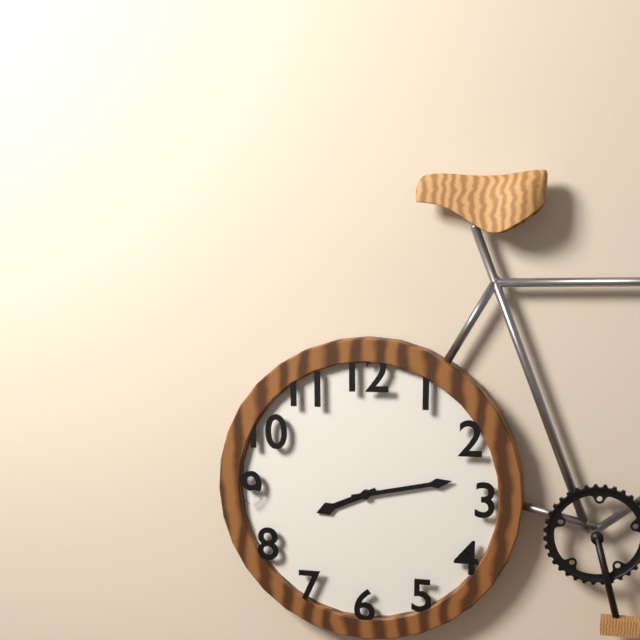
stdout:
h=8 m=13
